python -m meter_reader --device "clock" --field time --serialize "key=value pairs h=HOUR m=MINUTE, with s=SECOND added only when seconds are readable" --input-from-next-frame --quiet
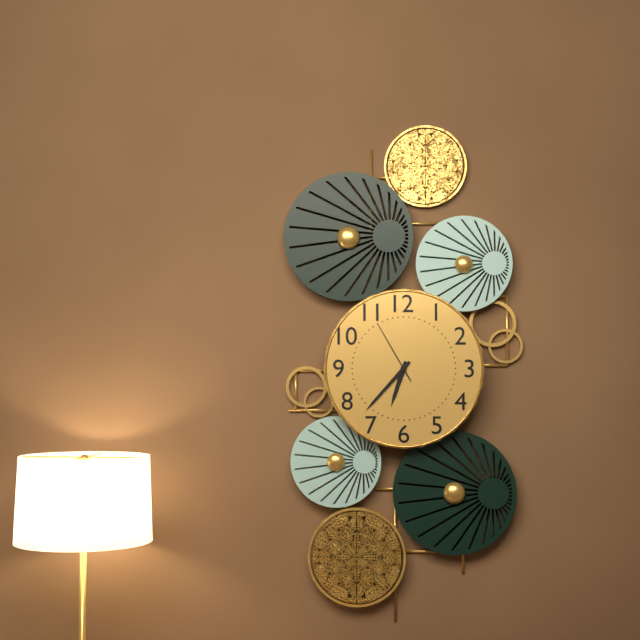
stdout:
h=6 m=37 s=55
